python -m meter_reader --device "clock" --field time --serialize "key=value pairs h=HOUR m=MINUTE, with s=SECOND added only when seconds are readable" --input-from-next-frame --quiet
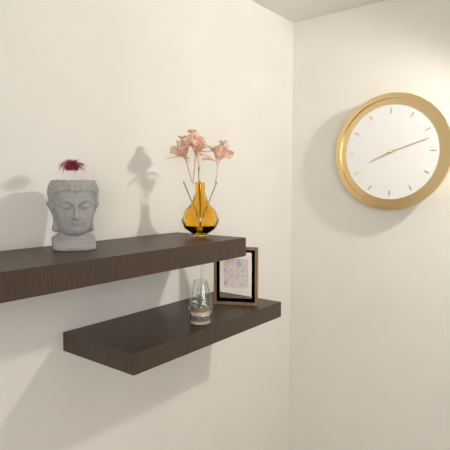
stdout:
h=8 m=12
